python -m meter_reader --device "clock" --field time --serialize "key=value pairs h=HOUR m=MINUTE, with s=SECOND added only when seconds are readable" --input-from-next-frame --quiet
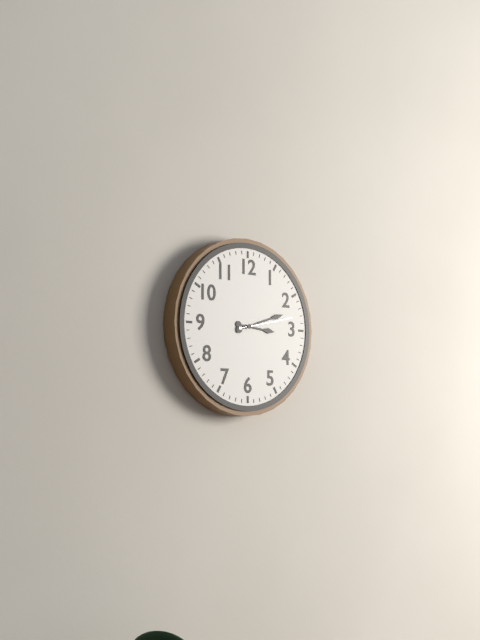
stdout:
h=3 m=12 s=13
